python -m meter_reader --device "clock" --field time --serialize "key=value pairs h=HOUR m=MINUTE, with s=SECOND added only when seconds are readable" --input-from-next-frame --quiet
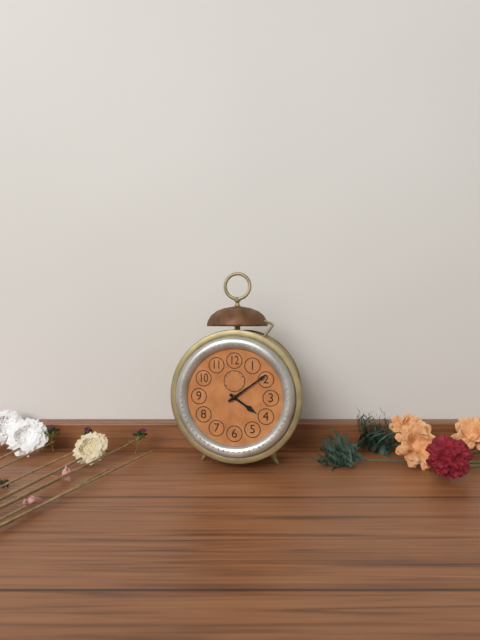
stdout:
h=4 m=9
